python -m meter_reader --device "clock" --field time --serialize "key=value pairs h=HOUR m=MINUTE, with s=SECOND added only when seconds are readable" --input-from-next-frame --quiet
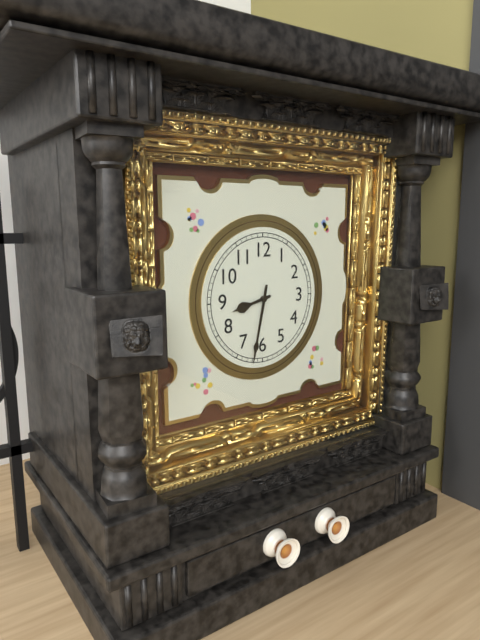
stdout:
h=8 m=32
